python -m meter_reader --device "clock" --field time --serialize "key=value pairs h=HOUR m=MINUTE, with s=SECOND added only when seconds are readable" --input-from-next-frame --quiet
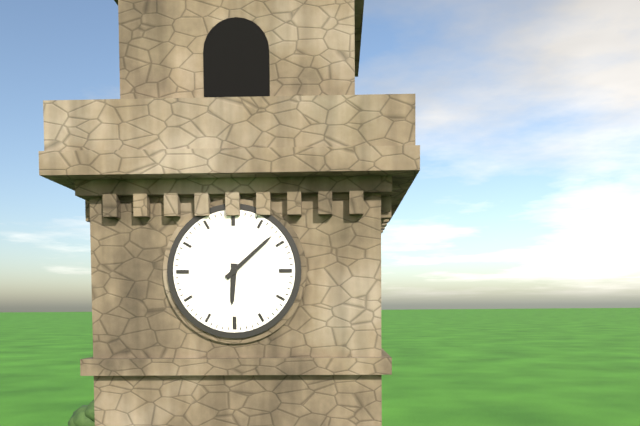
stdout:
h=6 m=8
